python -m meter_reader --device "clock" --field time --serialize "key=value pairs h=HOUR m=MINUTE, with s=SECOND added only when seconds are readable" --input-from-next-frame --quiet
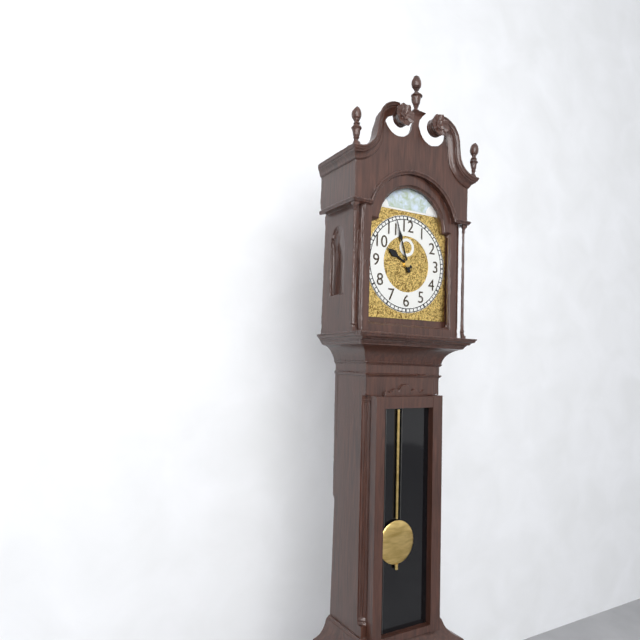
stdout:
h=9 m=57
